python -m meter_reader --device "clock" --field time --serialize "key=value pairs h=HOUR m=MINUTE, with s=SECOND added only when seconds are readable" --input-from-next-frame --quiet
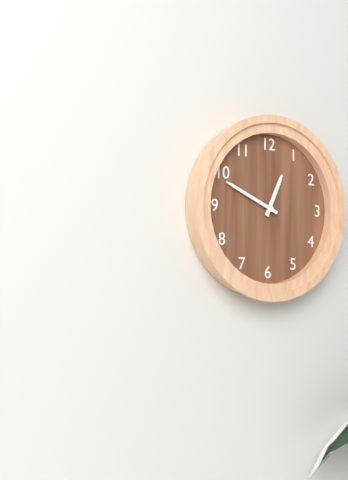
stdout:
h=12 m=49
